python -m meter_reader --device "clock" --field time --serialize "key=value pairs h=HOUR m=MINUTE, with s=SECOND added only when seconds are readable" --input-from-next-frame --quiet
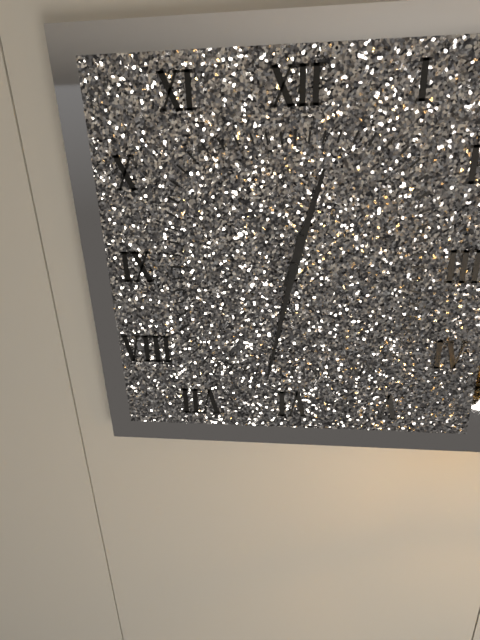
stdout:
h=12 m=32
